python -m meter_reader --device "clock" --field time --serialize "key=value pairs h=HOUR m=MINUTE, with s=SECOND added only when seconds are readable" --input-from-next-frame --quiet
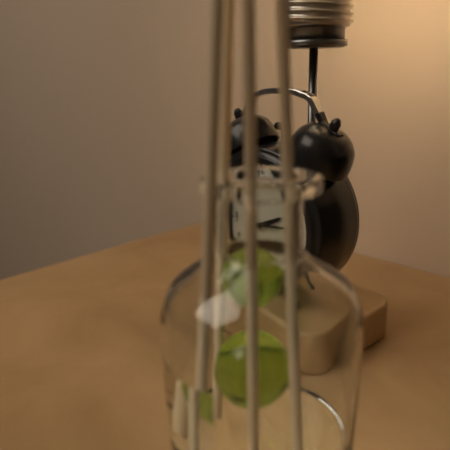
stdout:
h=2 m=14
